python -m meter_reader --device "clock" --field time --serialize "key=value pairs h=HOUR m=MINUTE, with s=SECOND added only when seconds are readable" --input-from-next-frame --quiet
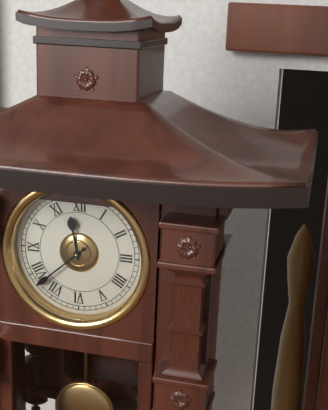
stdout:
h=11 m=38
